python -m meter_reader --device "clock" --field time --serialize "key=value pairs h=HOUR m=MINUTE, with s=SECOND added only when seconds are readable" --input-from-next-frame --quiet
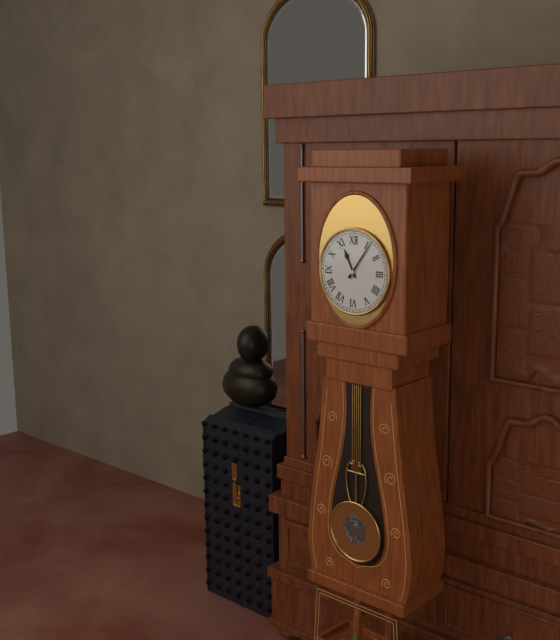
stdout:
h=11 m=6
